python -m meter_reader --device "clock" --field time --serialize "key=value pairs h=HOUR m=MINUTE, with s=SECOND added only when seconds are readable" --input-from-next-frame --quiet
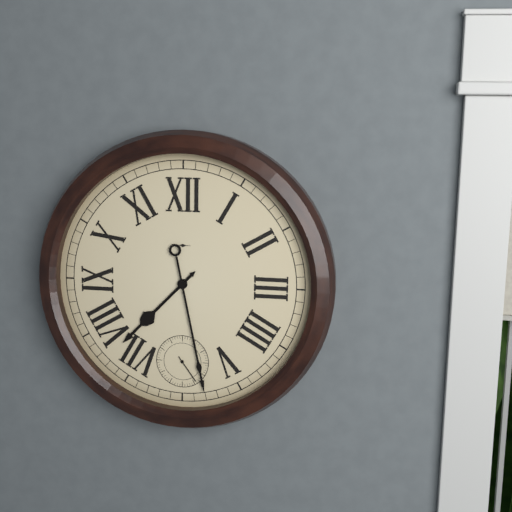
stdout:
h=7 m=28
